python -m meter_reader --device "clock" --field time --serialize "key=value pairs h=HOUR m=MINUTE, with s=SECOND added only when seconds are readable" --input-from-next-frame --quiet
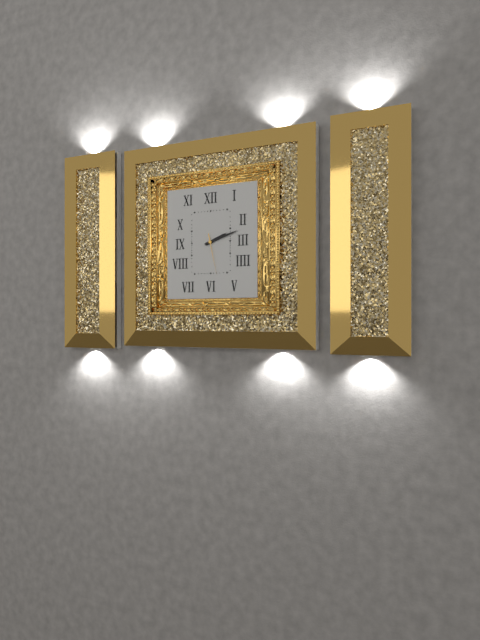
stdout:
h=2 m=12
